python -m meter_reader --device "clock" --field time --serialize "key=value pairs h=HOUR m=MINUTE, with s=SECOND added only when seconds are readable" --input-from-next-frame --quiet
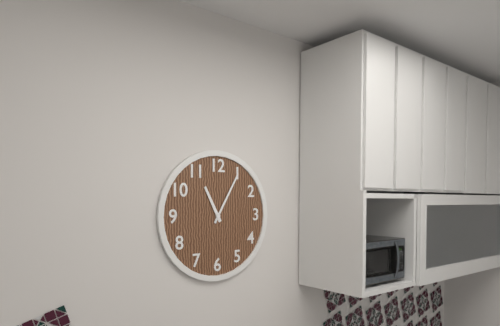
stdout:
h=11 m=5
